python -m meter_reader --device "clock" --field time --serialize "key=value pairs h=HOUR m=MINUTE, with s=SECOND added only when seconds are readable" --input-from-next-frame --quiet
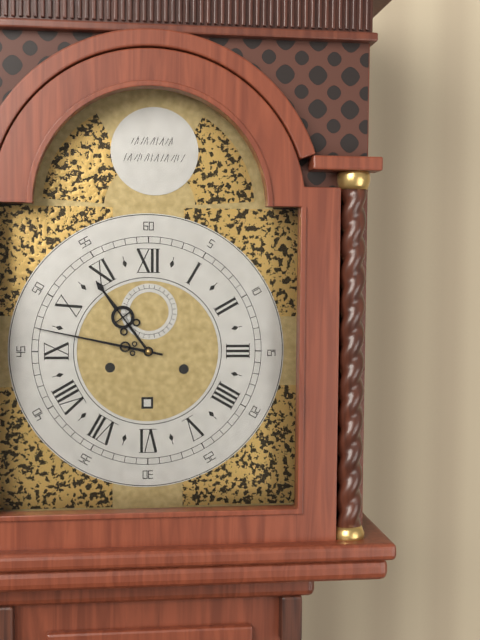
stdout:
h=10 m=47
